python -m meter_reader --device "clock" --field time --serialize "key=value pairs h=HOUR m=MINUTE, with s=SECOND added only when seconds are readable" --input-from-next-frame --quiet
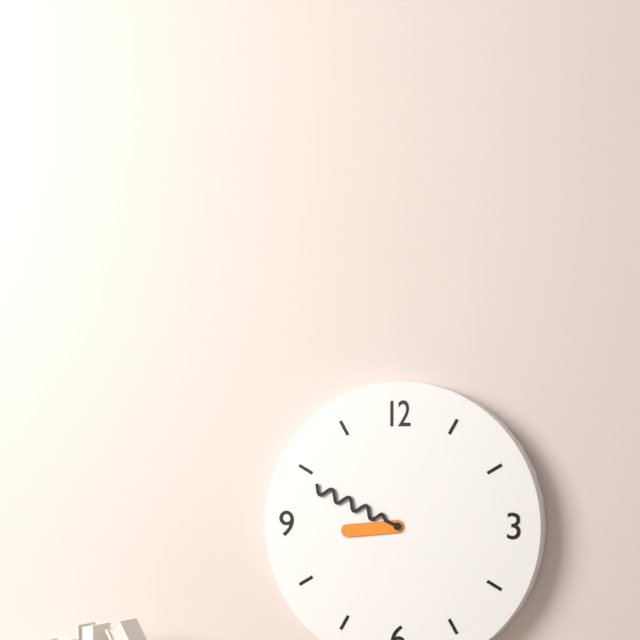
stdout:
h=8 m=49
